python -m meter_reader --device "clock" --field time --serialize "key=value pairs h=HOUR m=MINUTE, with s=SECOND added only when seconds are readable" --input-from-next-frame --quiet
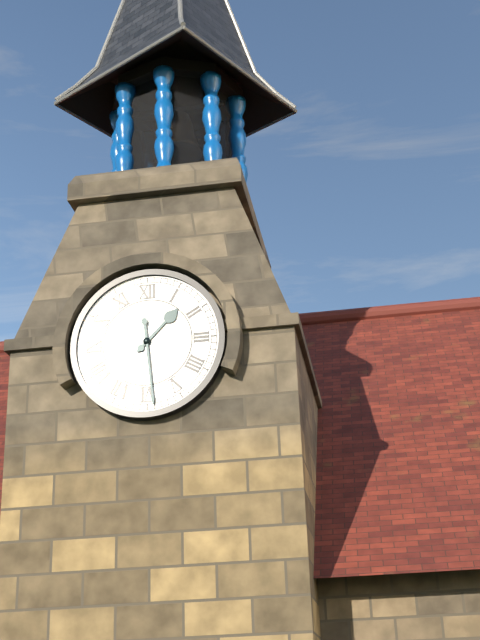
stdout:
h=1 m=29
